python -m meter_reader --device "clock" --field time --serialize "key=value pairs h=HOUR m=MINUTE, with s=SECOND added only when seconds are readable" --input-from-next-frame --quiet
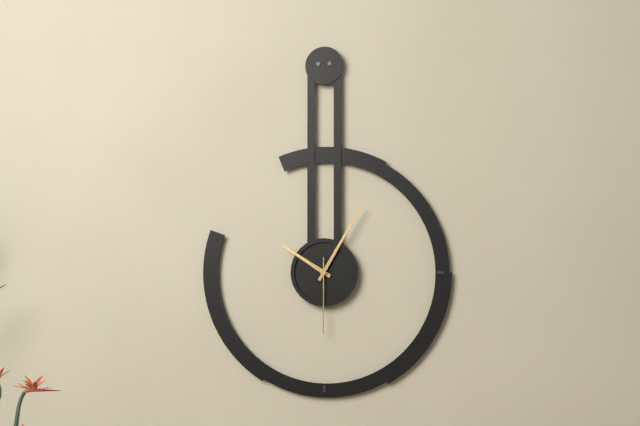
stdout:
h=10 m=5 s=30
